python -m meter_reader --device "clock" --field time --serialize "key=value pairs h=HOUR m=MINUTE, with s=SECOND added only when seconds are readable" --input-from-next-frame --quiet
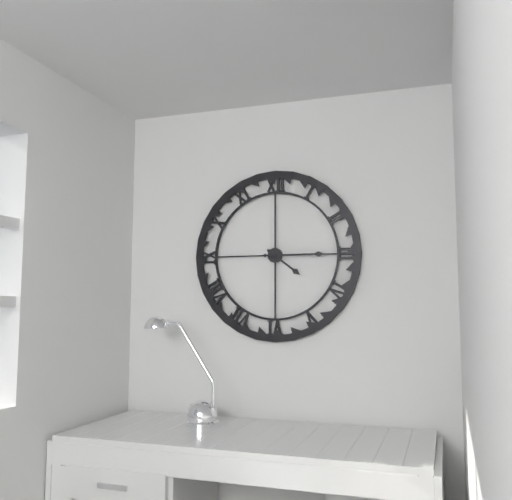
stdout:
h=4 m=15
